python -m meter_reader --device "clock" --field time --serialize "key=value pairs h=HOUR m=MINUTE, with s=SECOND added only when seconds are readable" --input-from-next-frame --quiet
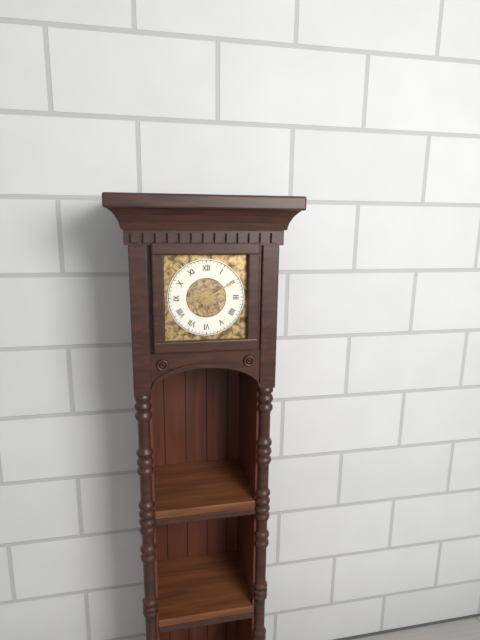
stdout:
h=2 m=10
